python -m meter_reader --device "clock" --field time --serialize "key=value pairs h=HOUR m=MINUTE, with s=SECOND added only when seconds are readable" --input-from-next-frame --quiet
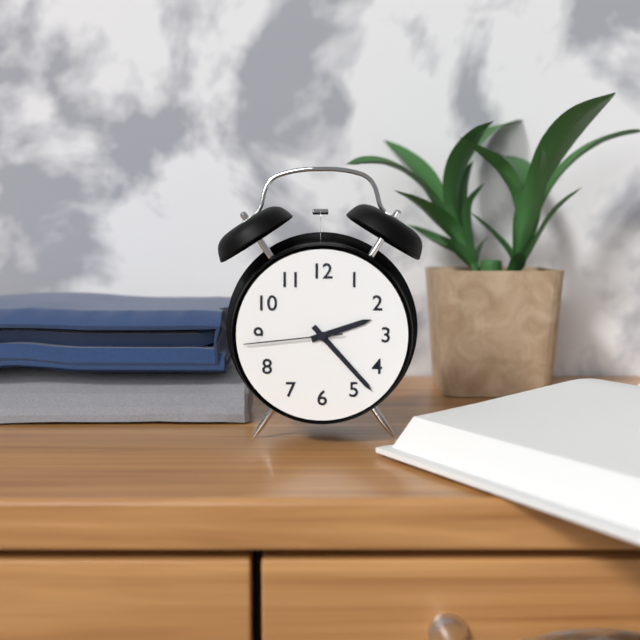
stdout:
h=2 m=23 s=44
